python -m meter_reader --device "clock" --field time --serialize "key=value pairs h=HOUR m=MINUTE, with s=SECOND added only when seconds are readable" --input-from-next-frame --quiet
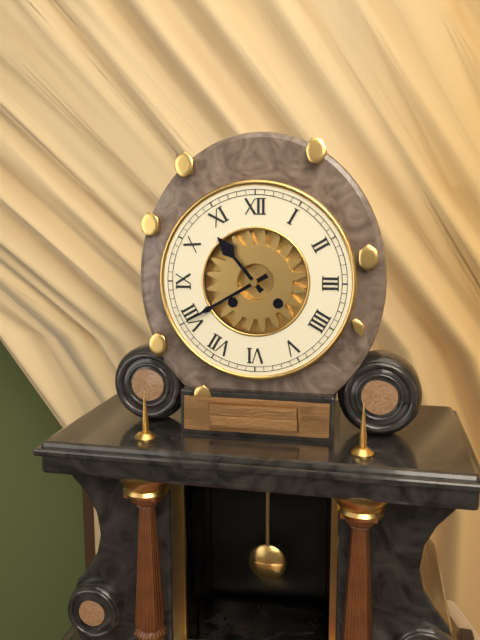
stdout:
h=10 m=40
